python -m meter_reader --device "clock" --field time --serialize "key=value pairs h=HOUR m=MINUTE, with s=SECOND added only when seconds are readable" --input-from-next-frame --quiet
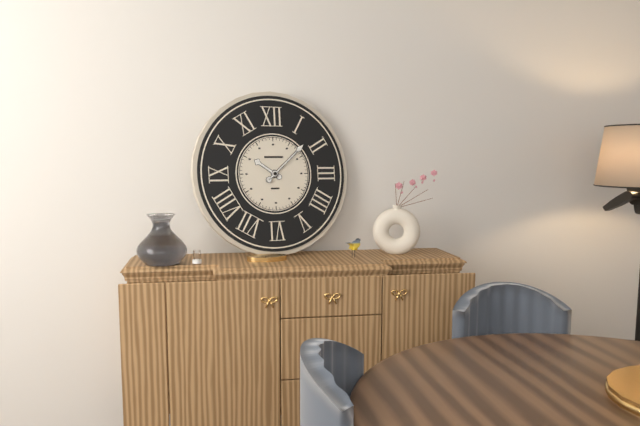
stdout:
h=10 m=8
